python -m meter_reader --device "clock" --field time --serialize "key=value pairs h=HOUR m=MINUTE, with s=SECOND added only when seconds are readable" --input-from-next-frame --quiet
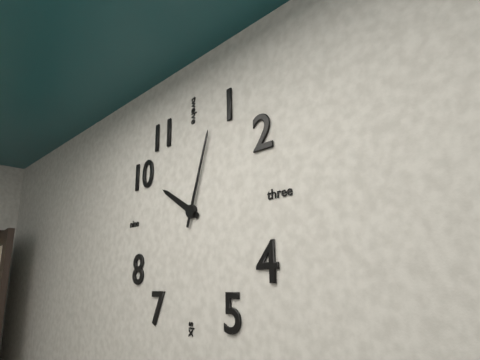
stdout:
h=10 m=3
